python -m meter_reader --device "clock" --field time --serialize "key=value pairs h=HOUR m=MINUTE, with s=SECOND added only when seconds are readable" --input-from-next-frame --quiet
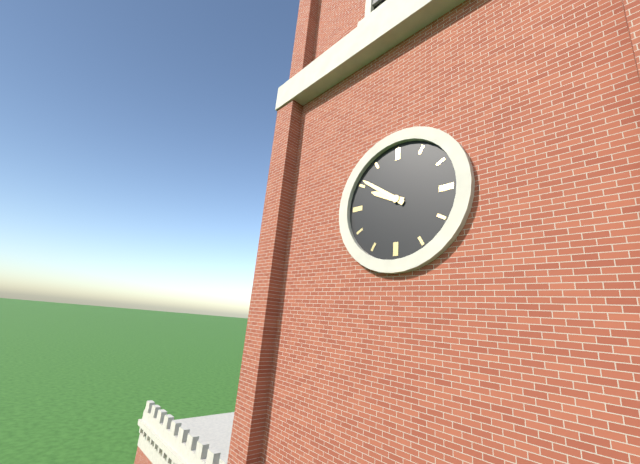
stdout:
h=9 m=51
